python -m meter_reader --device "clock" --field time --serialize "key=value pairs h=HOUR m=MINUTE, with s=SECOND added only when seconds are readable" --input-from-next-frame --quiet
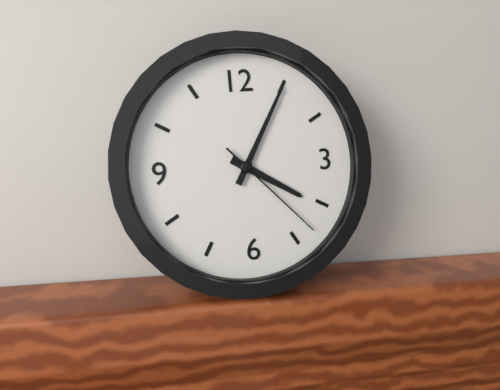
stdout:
h=4 m=5 s=23
